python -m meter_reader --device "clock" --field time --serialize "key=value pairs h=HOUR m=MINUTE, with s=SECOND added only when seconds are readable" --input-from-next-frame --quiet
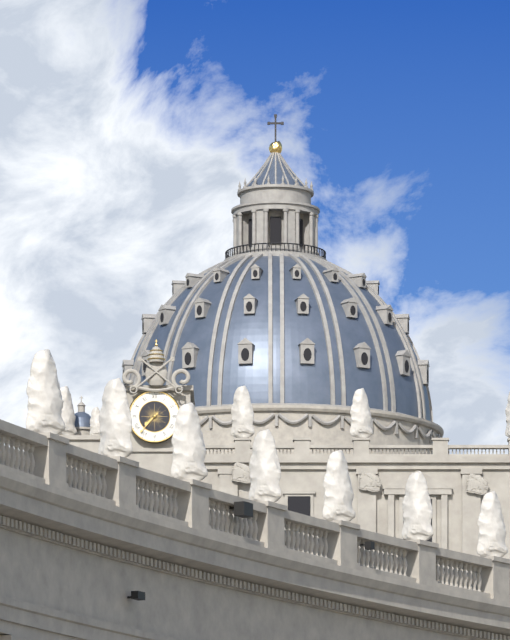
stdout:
h=7 m=37
